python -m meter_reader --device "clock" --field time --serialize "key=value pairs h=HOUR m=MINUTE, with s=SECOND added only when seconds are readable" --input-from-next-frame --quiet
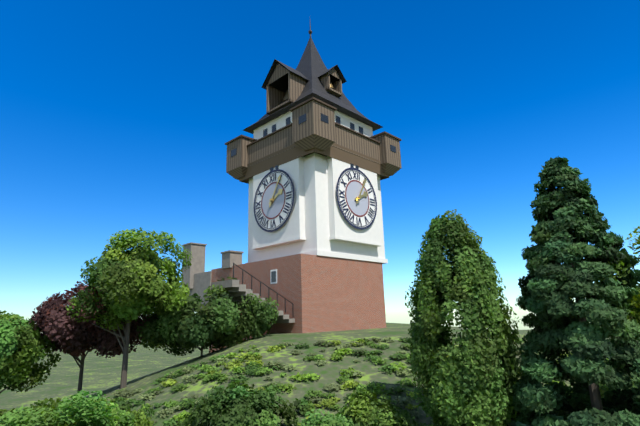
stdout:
h=2 m=5
